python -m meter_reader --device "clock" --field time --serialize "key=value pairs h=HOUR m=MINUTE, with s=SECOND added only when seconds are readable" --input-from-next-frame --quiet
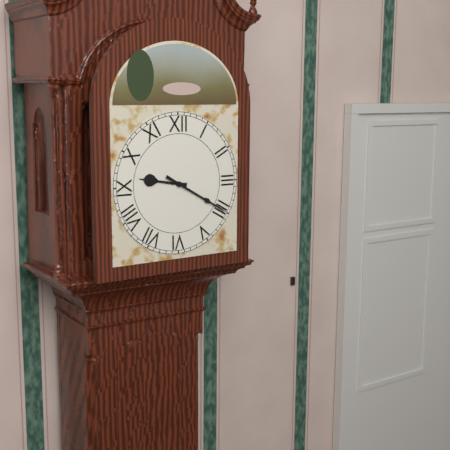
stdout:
h=9 m=20
